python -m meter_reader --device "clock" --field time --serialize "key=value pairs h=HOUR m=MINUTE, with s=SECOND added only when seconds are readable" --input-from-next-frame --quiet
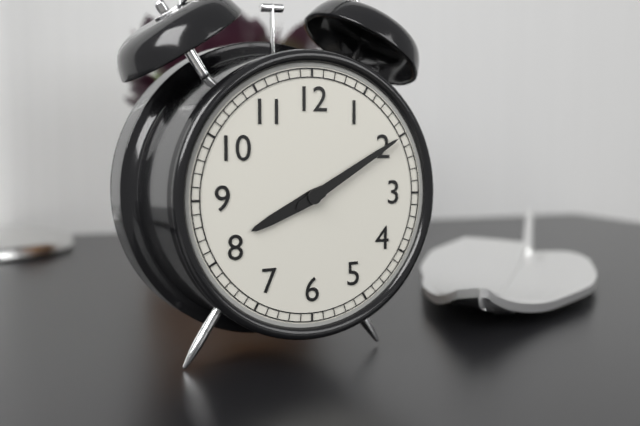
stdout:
h=8 m=10
